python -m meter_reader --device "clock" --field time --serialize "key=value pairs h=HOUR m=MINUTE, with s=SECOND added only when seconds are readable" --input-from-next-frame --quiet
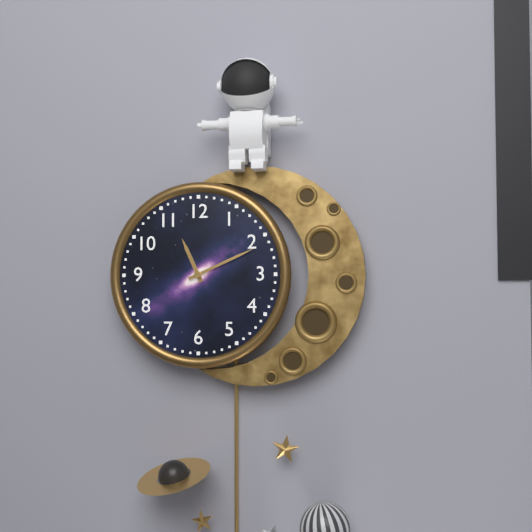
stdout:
h=11 m=11
